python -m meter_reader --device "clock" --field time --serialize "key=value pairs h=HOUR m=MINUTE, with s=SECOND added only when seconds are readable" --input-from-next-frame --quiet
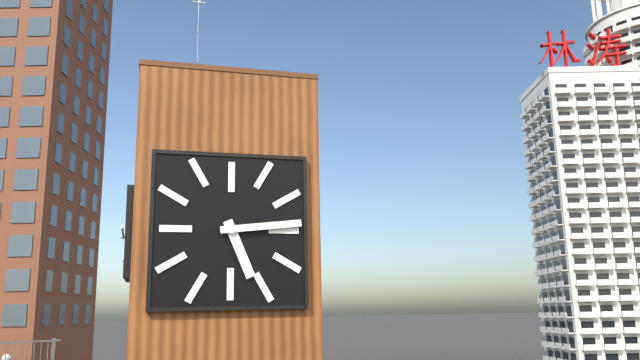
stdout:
h=5 m=14
